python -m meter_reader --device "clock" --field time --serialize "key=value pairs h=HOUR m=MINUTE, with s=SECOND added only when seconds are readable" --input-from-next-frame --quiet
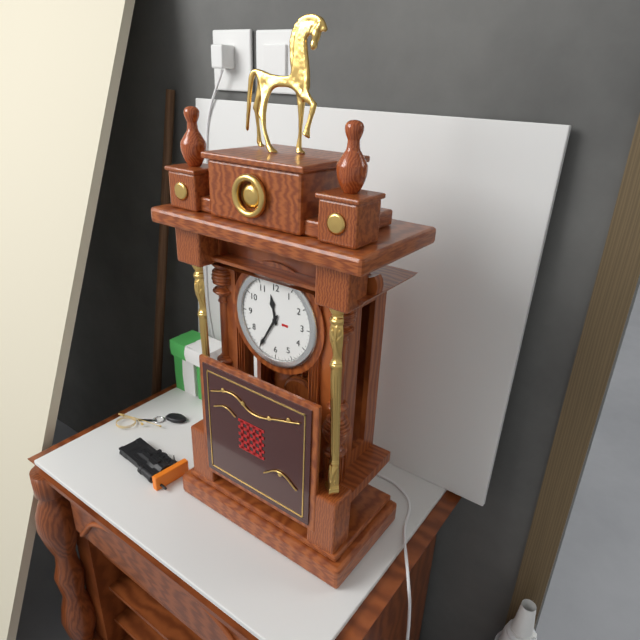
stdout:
h=11 m=35
